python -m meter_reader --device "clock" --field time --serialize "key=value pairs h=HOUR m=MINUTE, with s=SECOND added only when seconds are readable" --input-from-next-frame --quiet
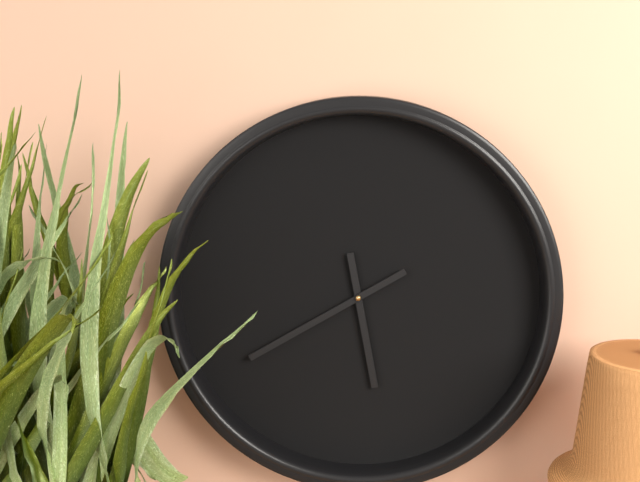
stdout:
h=5 m=40
